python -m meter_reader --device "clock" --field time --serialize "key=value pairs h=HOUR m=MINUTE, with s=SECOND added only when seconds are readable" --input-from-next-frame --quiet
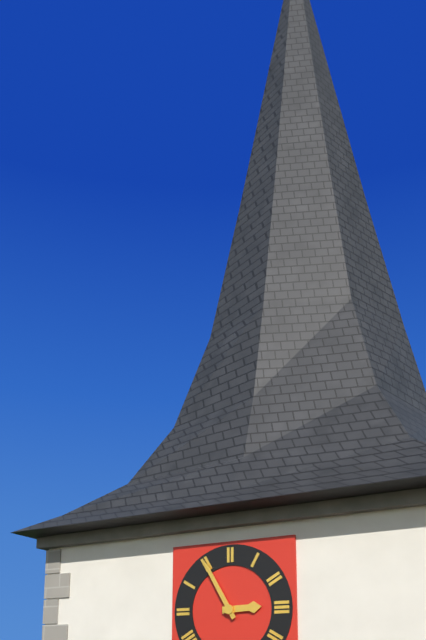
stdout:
h=2 m=55
